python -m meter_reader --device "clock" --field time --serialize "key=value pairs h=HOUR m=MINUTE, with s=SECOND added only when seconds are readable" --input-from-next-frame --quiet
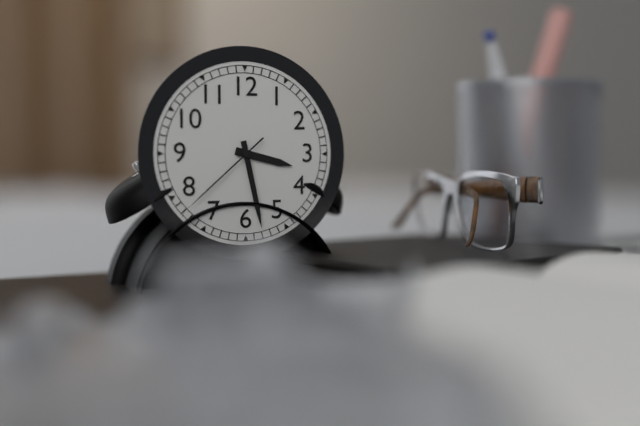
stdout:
h=3 m=28 s=38
